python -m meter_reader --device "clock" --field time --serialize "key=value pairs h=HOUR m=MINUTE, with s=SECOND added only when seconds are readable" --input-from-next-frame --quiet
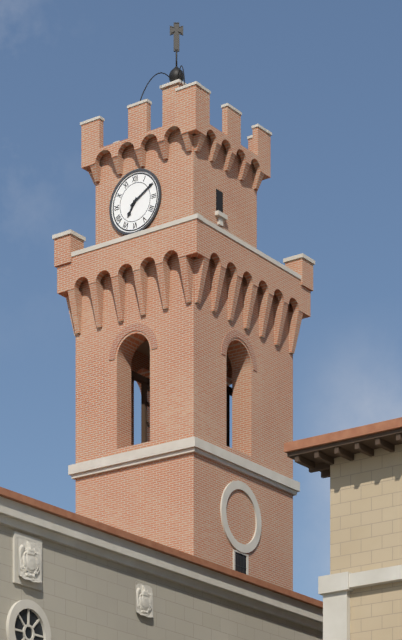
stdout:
h=7 m=10
